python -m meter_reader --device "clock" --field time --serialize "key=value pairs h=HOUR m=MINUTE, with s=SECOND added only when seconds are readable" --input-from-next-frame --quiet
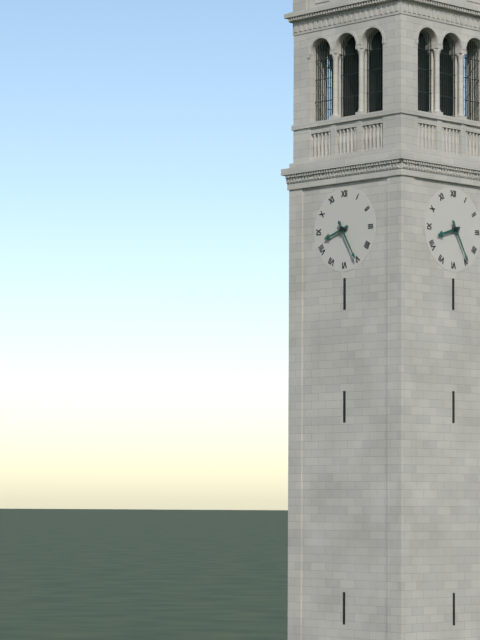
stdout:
h=8 m=25
